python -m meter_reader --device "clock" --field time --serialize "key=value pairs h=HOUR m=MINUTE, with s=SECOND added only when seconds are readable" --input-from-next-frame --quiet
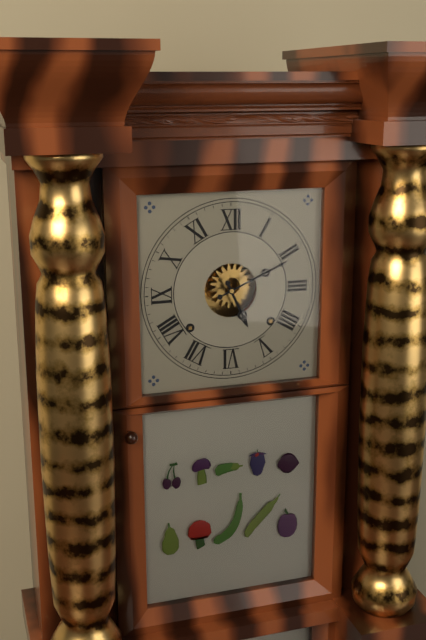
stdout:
h=5 m=11
